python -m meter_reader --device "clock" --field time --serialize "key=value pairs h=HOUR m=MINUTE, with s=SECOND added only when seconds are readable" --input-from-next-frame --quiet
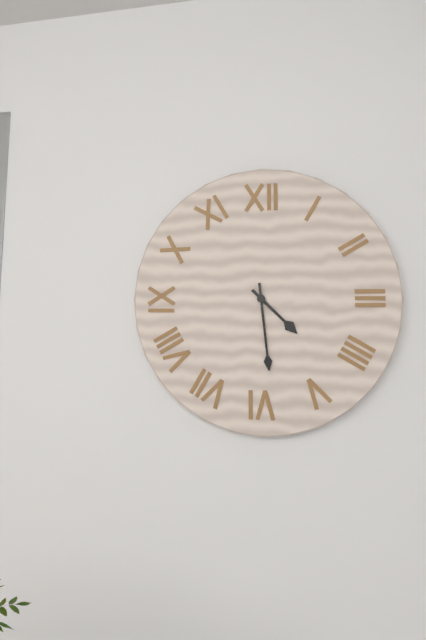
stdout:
h=4 m=29
